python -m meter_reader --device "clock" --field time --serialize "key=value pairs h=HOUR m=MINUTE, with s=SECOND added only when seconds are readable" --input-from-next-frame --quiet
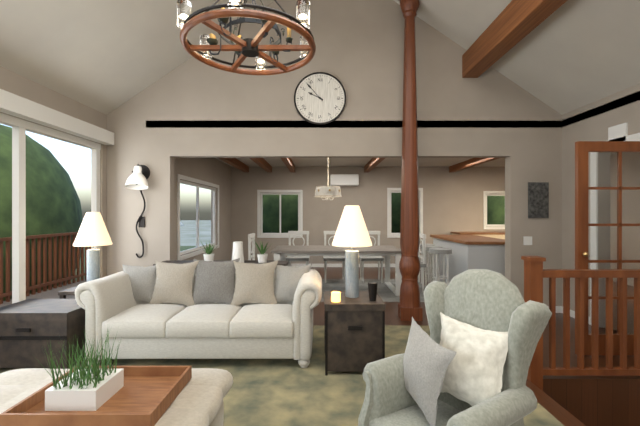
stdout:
h=9 m=53
